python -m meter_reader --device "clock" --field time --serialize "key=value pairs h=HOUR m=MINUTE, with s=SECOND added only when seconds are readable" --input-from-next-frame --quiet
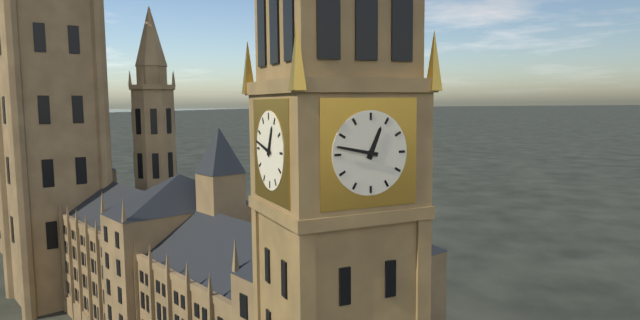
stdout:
h=12 m=47
